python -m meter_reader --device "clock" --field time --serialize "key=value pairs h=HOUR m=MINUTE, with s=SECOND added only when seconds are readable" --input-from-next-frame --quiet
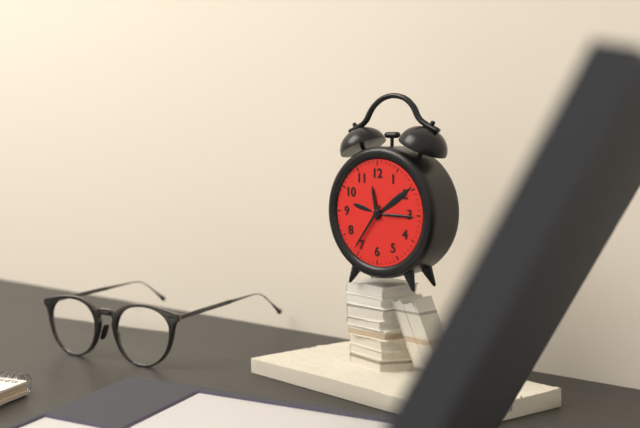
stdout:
h=11 m=36
